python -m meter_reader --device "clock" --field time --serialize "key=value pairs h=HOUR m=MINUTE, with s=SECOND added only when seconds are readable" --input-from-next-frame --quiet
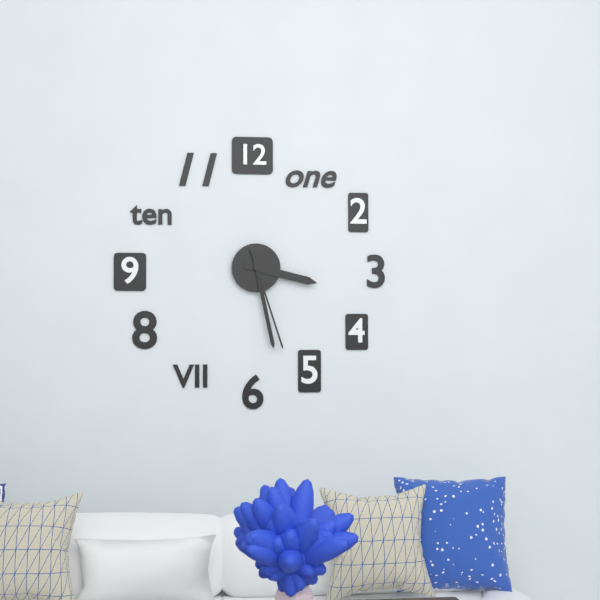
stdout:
h=3 m=28 s=27
